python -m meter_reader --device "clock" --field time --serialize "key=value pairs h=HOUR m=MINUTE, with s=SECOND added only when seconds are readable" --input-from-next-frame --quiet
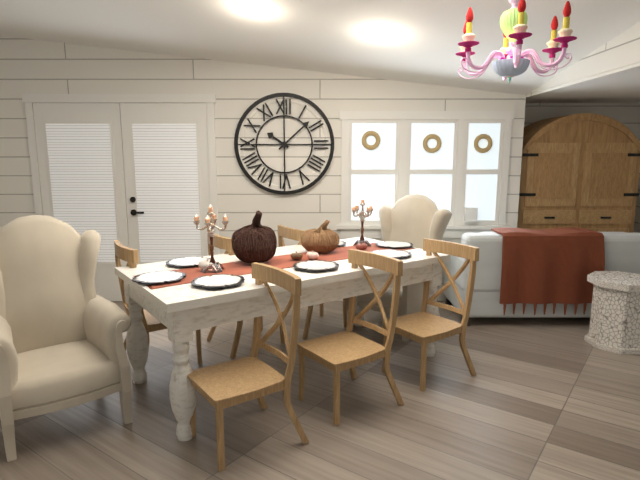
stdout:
h=10 m=8
